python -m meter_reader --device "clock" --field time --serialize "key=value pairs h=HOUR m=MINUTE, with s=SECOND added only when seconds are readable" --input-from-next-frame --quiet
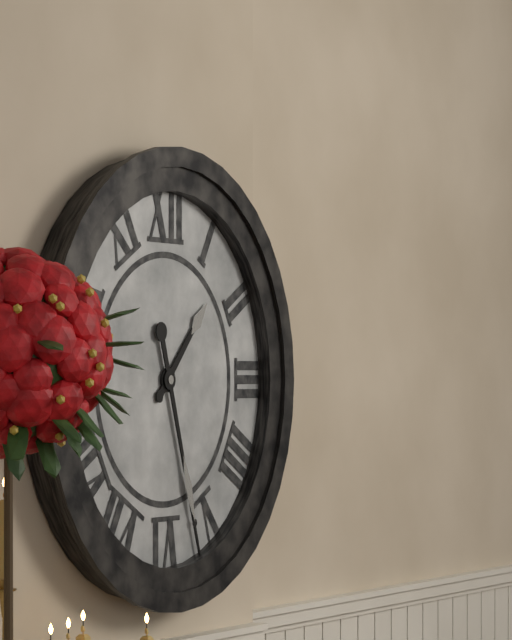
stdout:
h=1 m=27
